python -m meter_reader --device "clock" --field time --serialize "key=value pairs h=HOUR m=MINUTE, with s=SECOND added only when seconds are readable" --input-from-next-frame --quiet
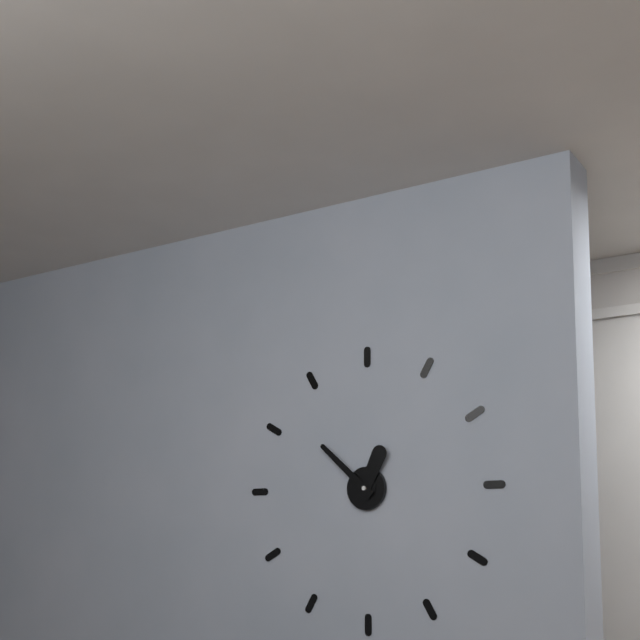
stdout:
h=12 m=52
